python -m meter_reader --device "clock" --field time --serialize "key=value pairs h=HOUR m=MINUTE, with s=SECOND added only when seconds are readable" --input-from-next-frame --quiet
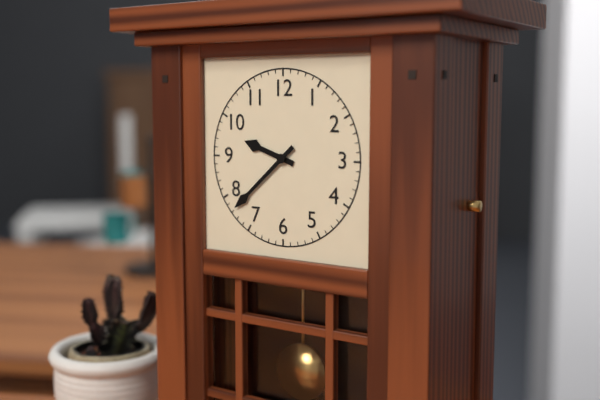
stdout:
h=9 m=38
